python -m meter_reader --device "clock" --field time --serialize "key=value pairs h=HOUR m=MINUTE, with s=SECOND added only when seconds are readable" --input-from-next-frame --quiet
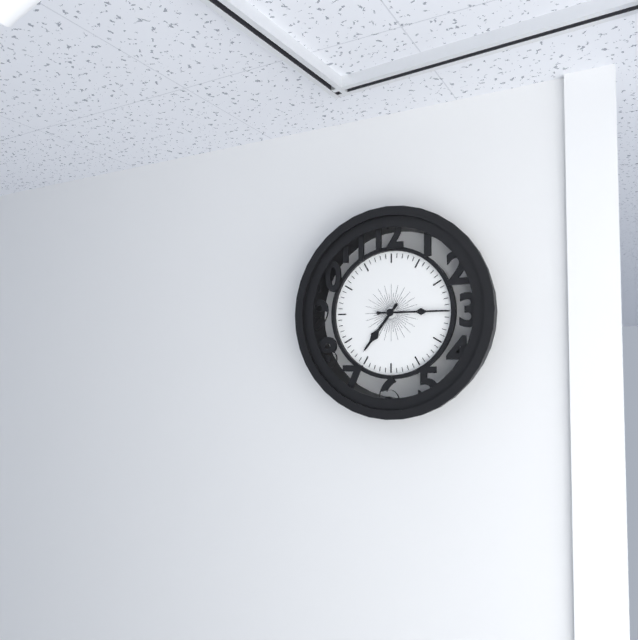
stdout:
h=7 m=15
